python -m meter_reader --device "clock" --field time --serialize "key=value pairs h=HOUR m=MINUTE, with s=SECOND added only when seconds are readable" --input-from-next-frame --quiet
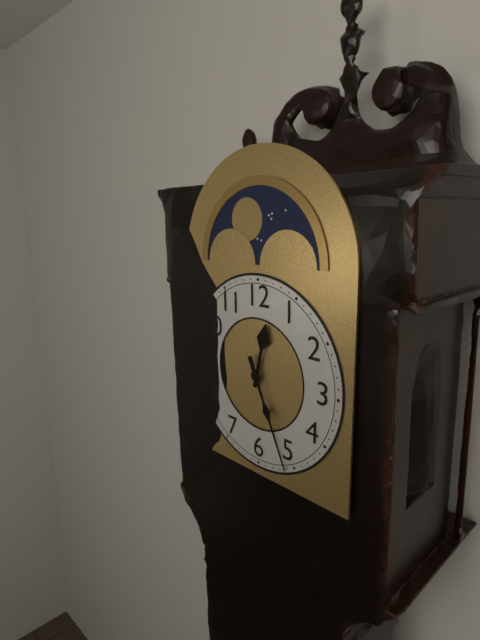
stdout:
h=12 m=26
